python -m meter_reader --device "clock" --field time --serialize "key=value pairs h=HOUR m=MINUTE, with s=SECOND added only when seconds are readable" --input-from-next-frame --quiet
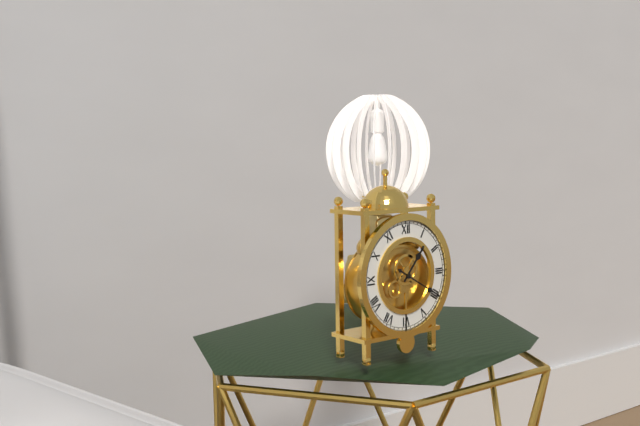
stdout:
h=1 m=20
